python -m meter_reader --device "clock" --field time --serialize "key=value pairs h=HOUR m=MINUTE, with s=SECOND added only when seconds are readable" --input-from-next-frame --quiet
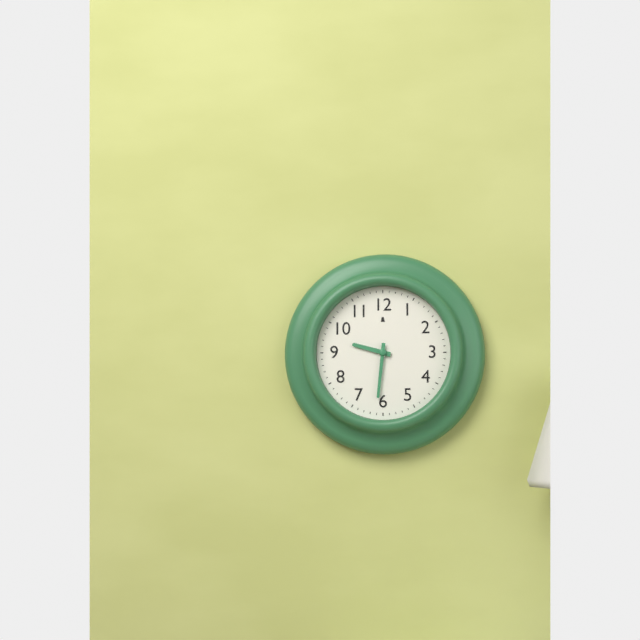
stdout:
h=9 m=31
